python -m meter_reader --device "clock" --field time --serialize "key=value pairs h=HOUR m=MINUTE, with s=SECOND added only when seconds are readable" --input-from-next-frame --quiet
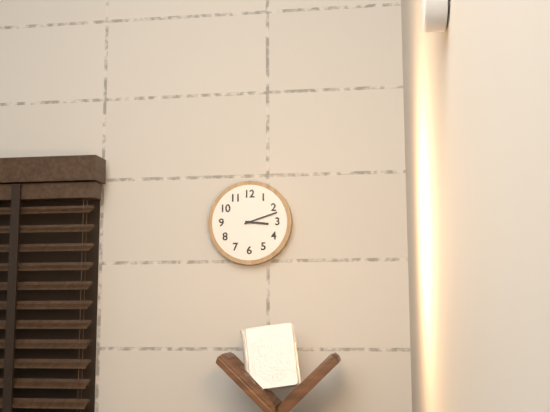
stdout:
h=3 m=12
